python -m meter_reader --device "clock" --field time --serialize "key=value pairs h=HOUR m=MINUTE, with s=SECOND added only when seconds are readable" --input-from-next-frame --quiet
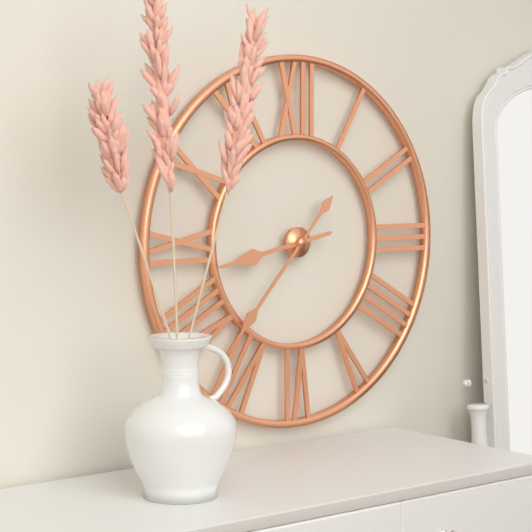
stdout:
h=8 m=37
